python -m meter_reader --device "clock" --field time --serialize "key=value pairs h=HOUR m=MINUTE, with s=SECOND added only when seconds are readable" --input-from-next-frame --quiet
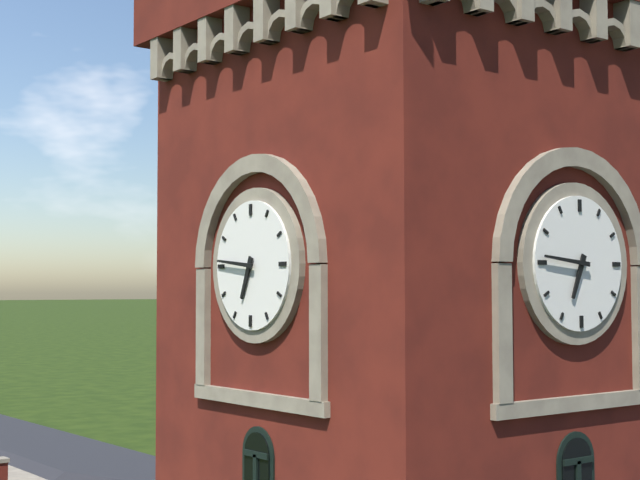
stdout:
h=6 m=46
